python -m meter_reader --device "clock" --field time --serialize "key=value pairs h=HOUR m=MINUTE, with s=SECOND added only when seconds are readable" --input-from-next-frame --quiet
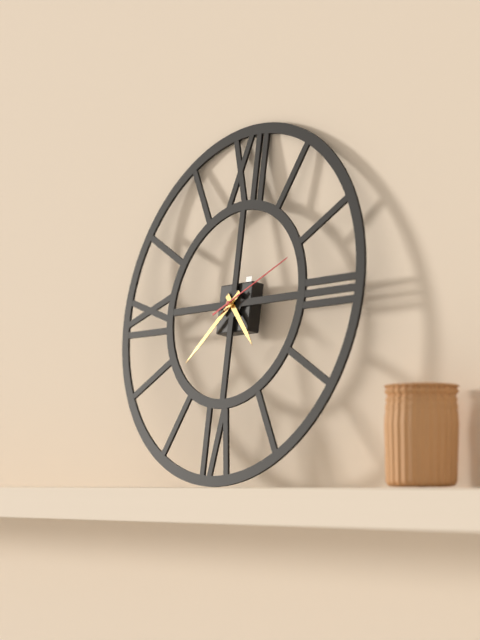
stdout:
h=4 m=38 s=11
